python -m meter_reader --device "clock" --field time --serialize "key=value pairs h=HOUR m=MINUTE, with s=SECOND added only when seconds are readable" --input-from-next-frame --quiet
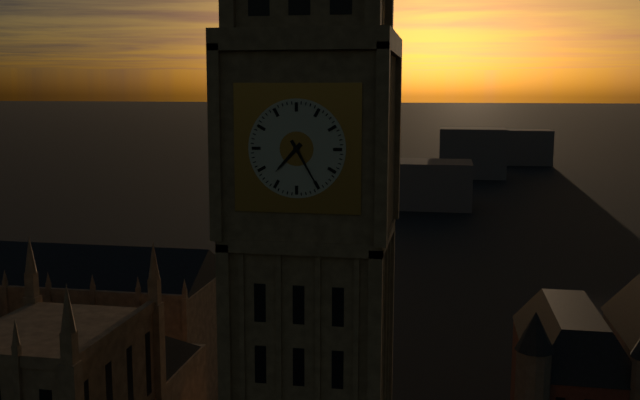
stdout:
h=7 m=25
